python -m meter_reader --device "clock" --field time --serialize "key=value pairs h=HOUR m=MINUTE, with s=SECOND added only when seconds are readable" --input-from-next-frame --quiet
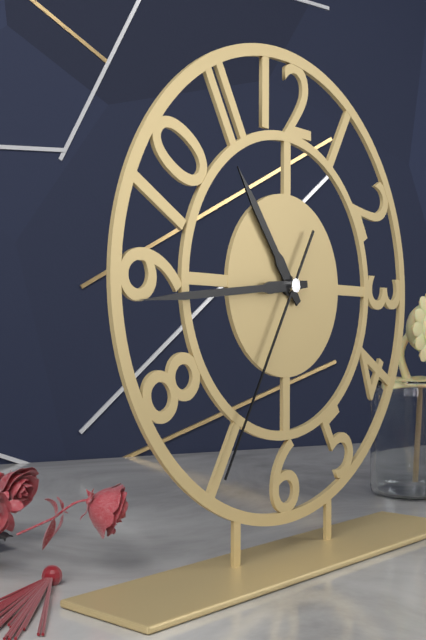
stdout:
h=10 m=44 s=35
